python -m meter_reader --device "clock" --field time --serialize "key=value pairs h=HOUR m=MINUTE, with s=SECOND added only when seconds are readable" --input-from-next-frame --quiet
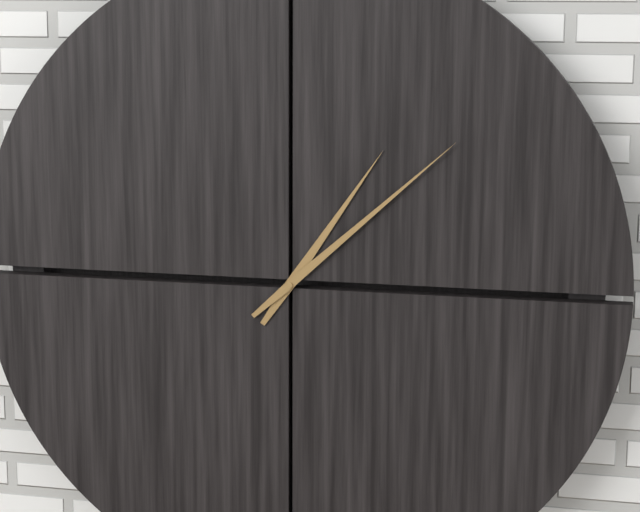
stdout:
h=1 m=8
